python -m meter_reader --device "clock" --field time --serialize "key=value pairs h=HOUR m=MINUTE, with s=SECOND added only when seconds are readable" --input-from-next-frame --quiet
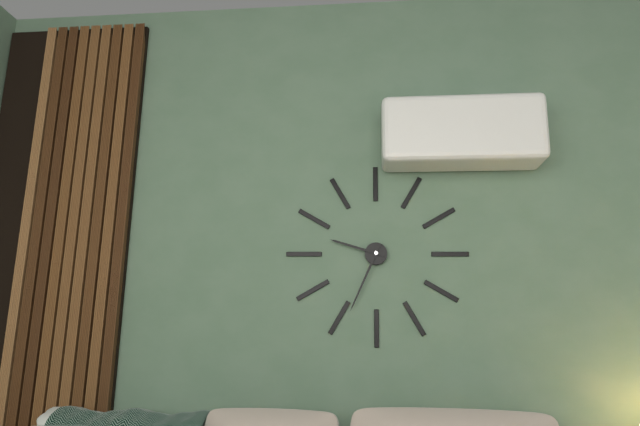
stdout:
h=9 m=34
